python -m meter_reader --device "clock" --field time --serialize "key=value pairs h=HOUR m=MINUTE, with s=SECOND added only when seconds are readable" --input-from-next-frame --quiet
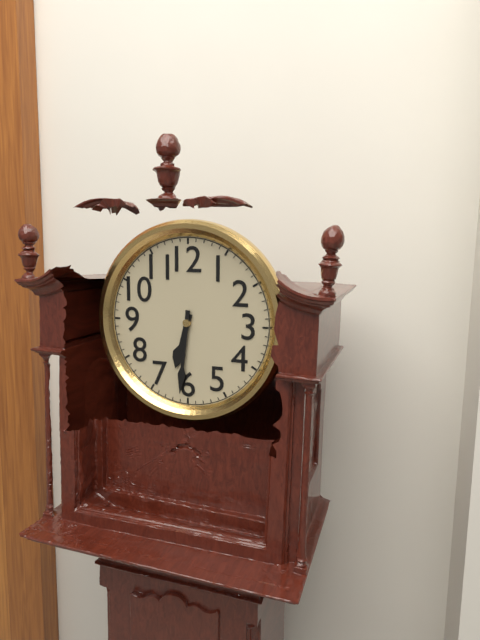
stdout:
h=6 m=31
